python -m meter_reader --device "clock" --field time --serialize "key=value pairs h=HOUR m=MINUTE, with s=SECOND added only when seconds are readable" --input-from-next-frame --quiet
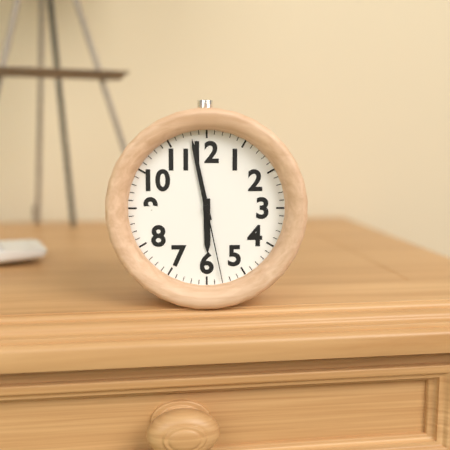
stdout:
h=5 m=58 s=28
